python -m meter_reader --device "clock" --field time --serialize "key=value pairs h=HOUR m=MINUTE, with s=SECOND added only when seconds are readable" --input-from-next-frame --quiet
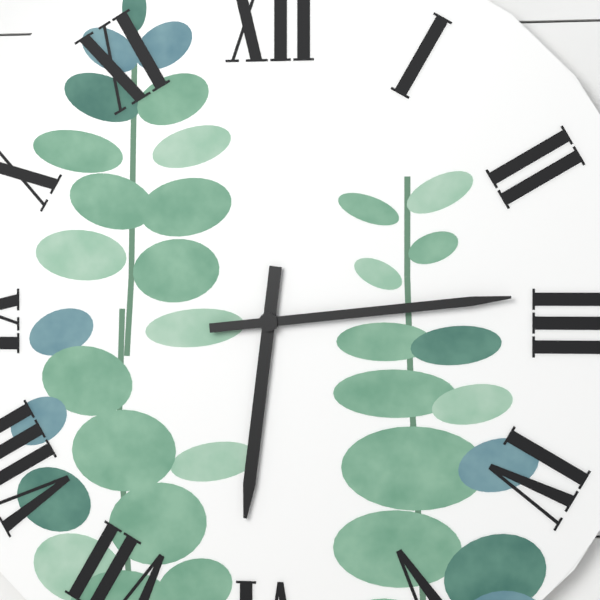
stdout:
h=6 m=14
